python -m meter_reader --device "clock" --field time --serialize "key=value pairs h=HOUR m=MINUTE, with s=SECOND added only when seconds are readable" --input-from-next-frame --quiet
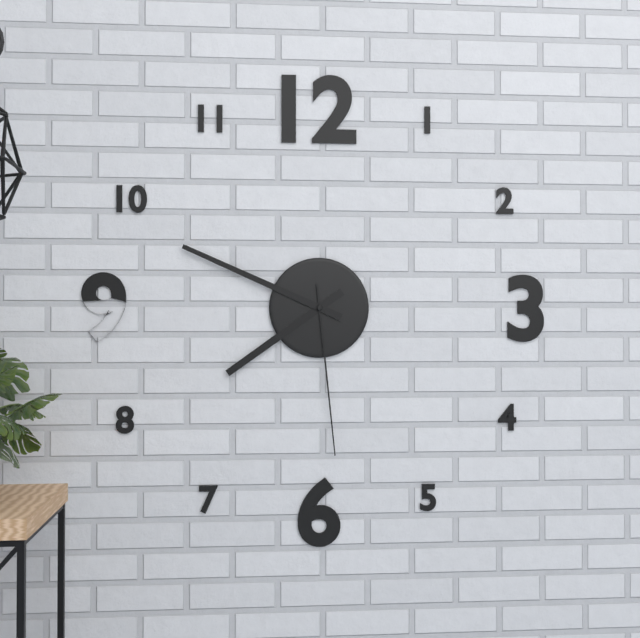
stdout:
h=7 m=49 s=29
